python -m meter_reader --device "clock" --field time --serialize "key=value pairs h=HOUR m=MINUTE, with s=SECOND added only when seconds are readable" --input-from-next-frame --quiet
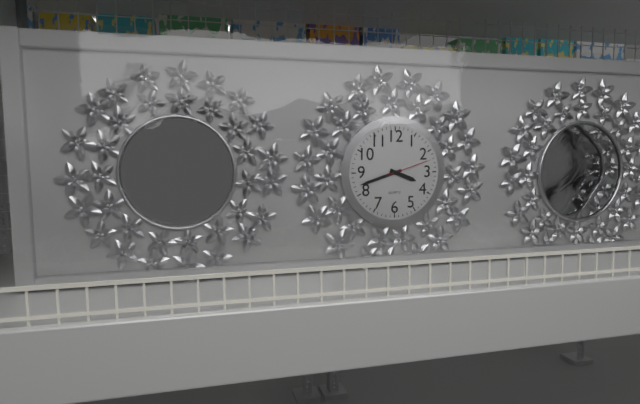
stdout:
h=3 m=42
